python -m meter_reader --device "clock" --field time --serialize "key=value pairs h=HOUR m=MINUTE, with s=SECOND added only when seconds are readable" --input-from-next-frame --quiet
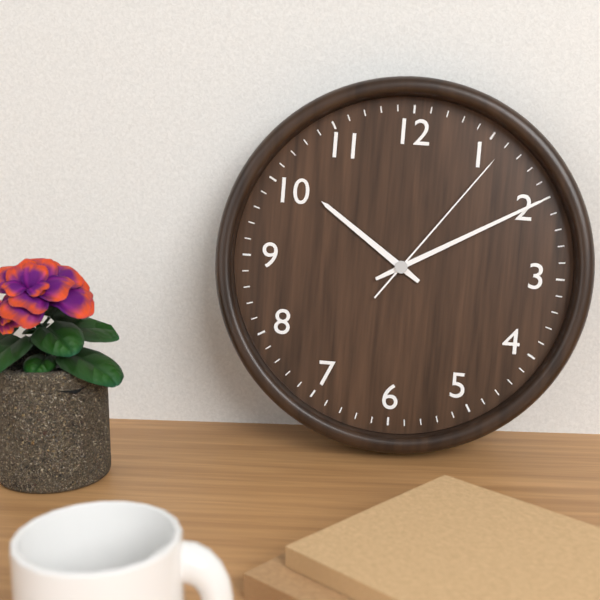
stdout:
h=10 m=10 s=6
